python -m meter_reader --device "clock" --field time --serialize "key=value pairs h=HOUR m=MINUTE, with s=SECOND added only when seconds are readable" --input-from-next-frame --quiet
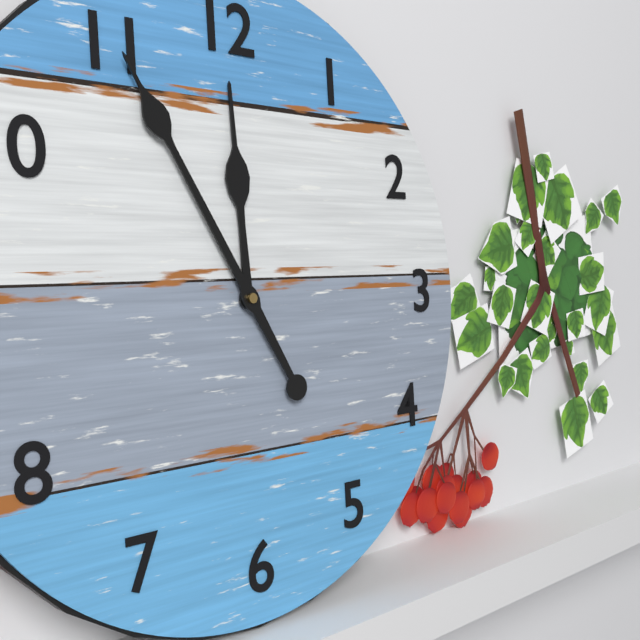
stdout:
h=11 m=55
